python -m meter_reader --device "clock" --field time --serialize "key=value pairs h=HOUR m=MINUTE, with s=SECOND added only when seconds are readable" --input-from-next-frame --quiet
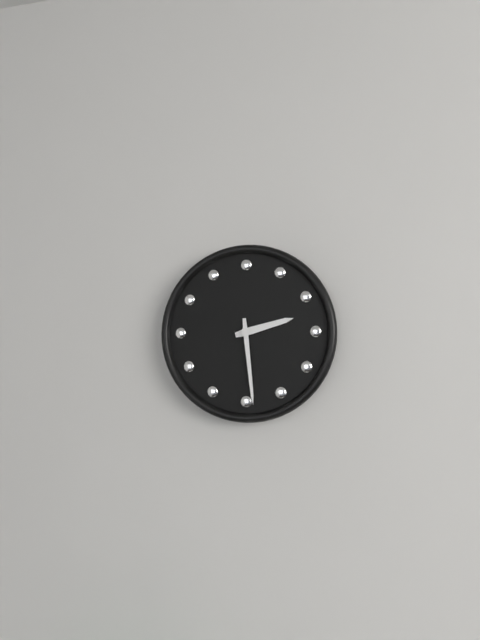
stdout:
h=2 m=29
